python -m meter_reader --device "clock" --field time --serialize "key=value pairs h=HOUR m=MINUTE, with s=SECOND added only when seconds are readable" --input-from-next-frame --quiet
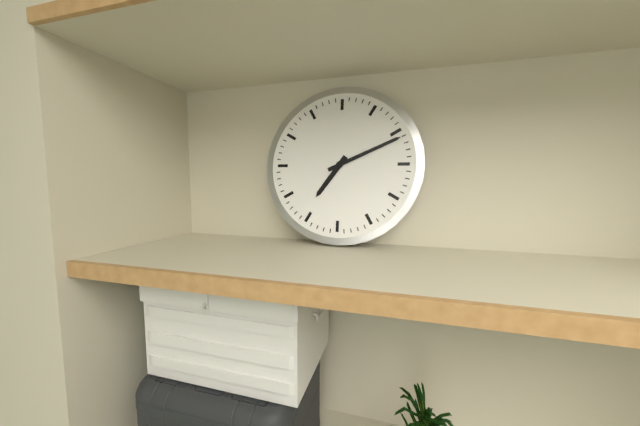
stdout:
h=7 m=11
